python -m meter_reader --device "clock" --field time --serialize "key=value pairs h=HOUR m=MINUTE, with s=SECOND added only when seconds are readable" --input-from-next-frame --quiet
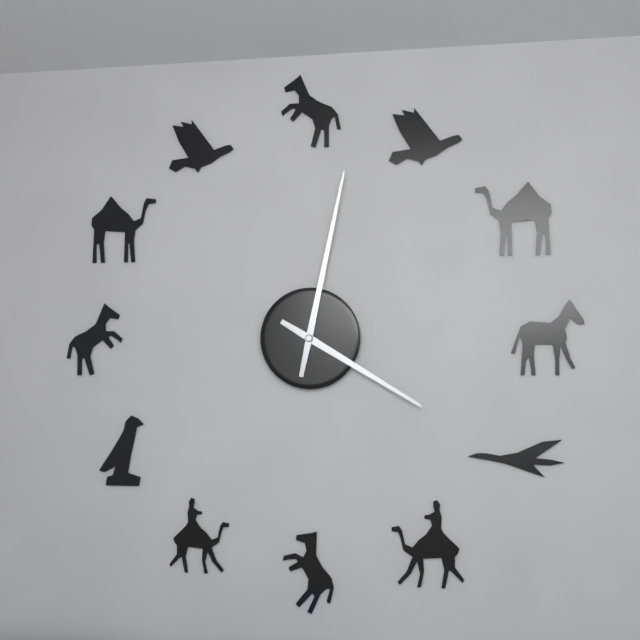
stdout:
h=4 m=2
